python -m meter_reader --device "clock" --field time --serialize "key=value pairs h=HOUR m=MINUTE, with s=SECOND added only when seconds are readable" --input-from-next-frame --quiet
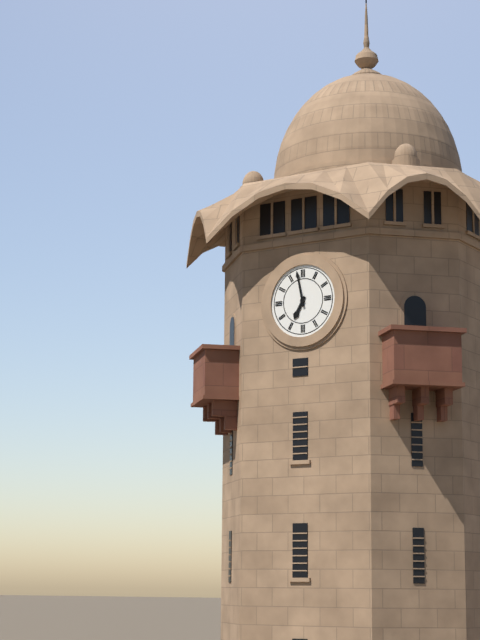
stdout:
h=6 m=58
